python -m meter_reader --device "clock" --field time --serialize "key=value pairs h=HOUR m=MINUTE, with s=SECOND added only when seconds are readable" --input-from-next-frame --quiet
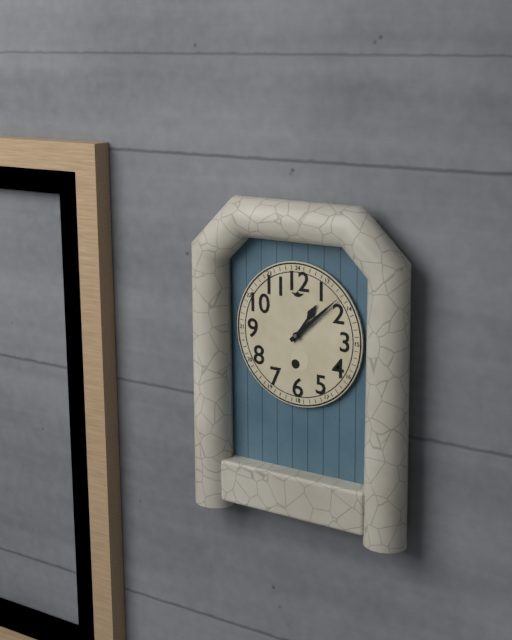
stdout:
h=1 m=8
